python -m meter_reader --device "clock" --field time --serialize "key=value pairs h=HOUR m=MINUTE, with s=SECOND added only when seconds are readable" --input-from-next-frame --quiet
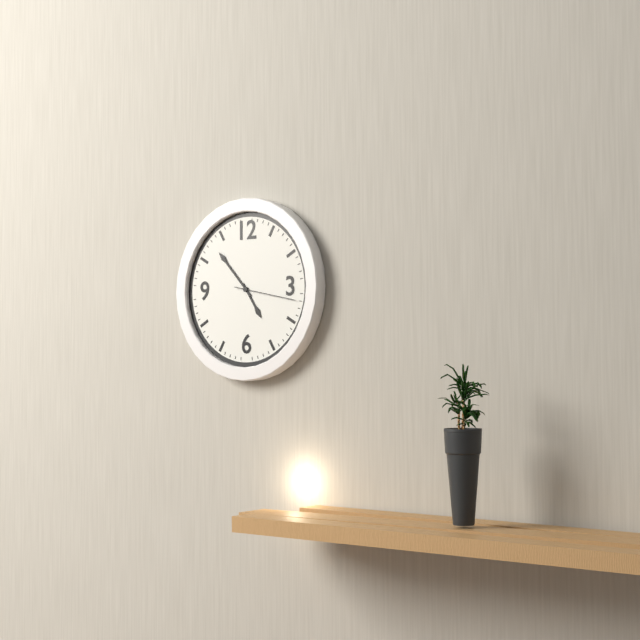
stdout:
h=4 m=53 s=17
